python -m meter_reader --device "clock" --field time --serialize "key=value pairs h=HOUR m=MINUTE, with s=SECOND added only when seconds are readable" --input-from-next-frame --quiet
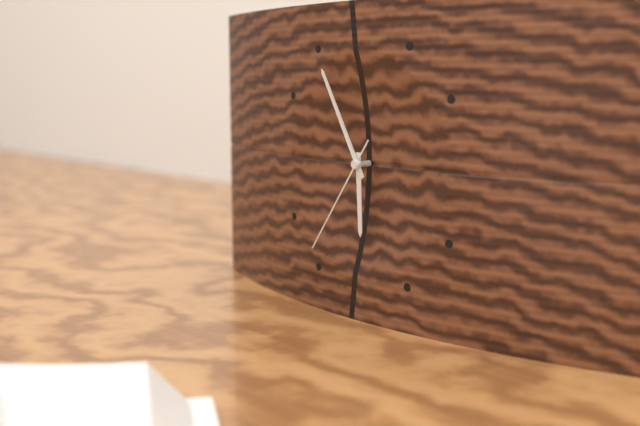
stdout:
h=5 m=55 s=36
